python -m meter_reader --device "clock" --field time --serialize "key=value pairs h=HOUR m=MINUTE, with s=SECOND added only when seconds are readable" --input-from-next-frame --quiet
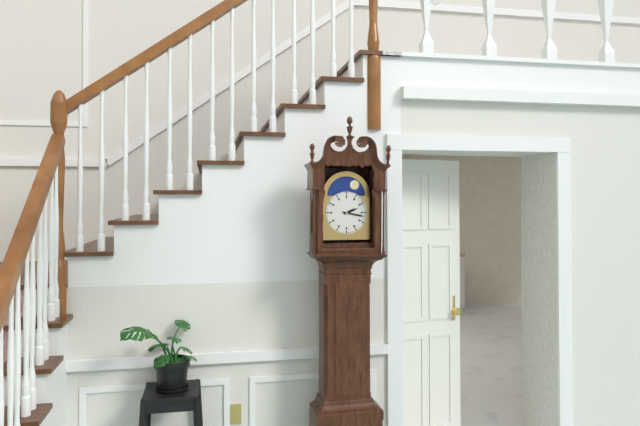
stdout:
h=2 m=17
